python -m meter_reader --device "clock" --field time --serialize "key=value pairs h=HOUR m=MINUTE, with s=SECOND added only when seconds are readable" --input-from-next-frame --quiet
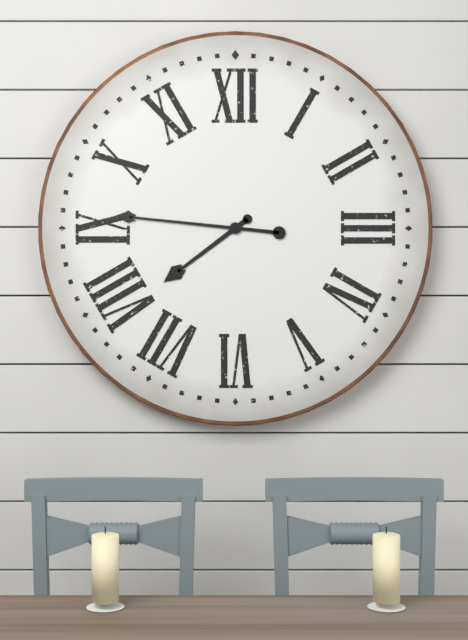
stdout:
h=7 m=46
